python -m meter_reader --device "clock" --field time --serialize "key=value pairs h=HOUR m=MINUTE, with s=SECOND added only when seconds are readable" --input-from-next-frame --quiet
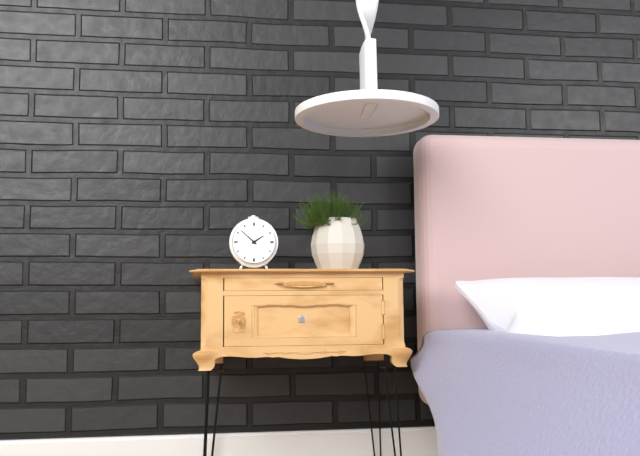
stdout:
h=1 m=52
